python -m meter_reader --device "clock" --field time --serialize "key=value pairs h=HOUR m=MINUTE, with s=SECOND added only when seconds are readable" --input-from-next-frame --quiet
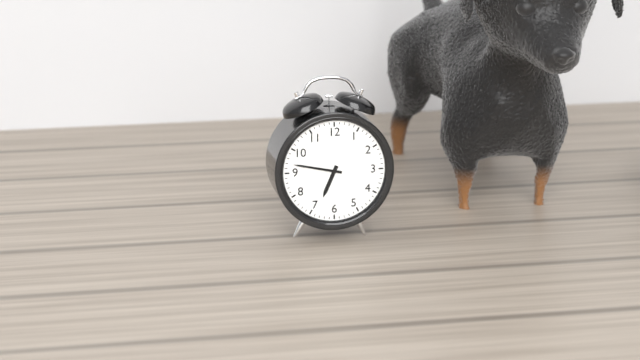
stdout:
h=6 m=47
